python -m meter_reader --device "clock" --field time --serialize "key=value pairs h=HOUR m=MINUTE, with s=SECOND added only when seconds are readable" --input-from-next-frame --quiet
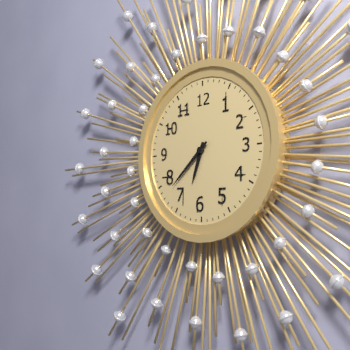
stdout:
h=6 m=38
